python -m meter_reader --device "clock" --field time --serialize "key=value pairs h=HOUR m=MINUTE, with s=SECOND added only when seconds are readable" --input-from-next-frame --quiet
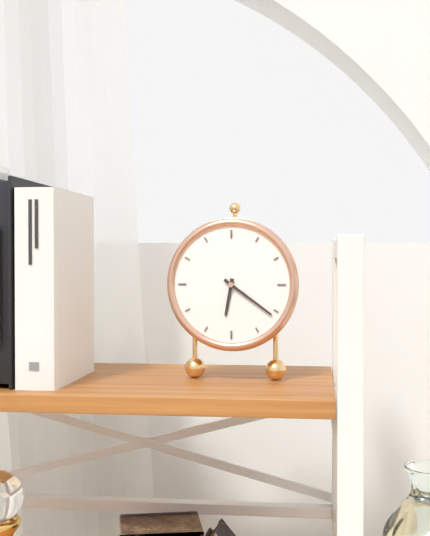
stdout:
h=6 m=21
